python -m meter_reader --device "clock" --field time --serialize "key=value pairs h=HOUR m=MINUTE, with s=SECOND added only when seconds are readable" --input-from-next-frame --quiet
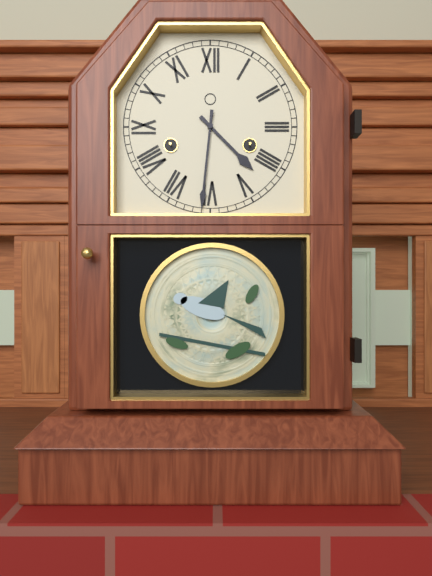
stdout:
h=4 m=31
